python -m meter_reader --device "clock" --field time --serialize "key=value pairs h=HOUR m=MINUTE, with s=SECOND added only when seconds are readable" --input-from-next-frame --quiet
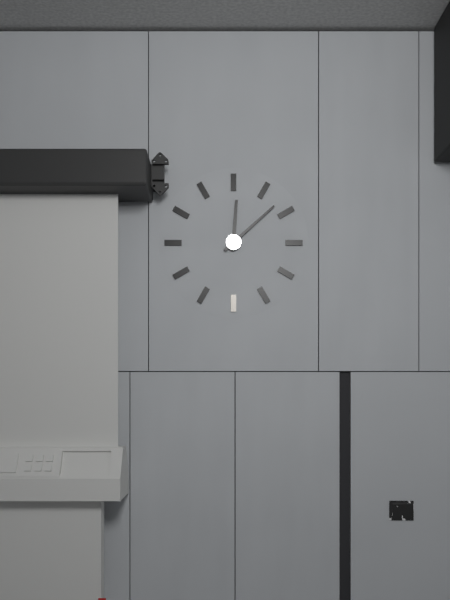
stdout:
h=12 m=8
